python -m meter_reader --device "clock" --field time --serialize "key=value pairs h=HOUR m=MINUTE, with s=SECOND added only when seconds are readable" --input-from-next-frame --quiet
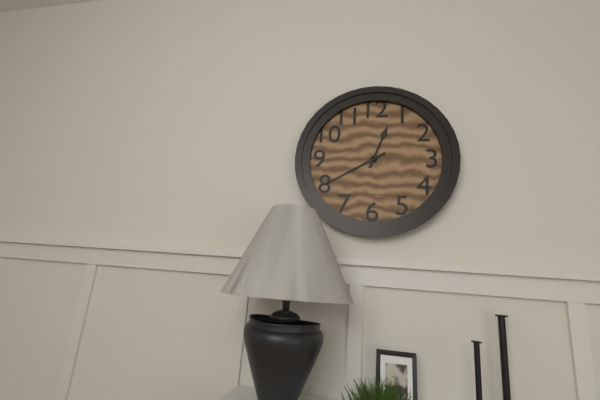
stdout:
h=12 m=40
